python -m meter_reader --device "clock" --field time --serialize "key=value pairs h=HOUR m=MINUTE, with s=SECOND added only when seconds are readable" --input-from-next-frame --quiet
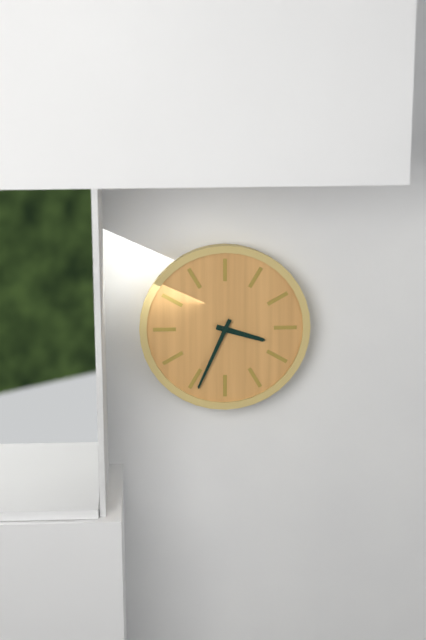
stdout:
h=3 m=34
